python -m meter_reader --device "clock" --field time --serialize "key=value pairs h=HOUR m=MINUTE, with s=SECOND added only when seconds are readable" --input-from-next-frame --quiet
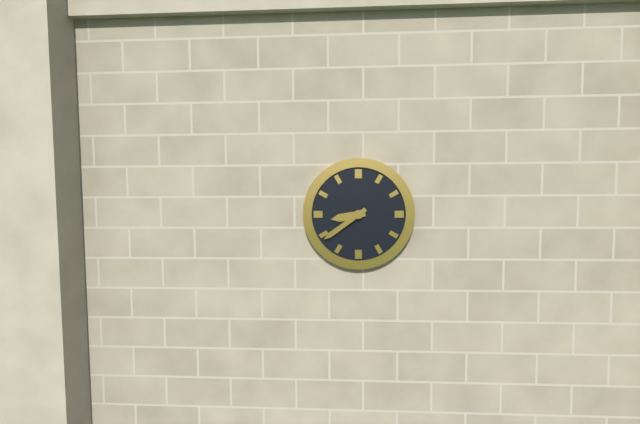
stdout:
h=8 m=39
